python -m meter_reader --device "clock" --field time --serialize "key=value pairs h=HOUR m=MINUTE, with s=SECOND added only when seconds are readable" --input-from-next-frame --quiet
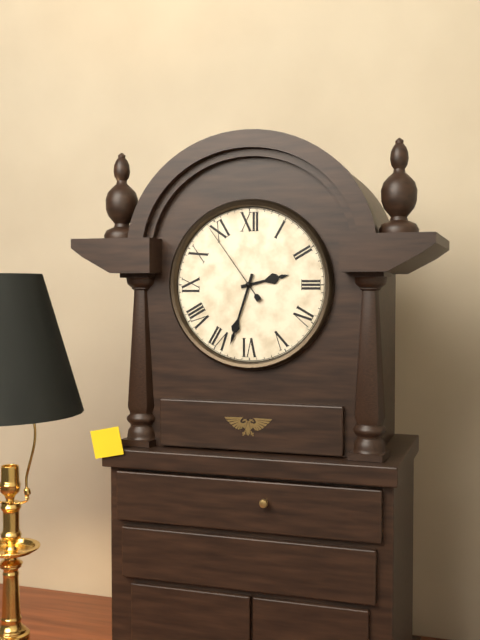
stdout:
h=2 m=33 s=54
